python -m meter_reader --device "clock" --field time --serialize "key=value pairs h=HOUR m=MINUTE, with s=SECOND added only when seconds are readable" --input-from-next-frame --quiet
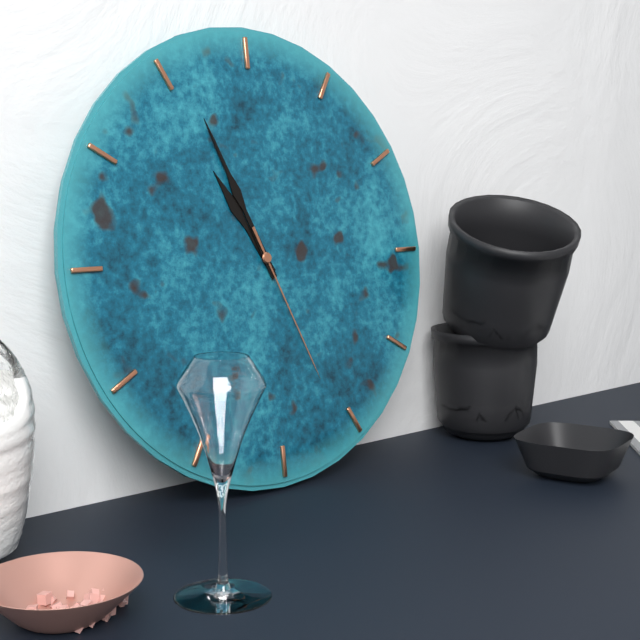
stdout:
h=10 m=56 s=26
